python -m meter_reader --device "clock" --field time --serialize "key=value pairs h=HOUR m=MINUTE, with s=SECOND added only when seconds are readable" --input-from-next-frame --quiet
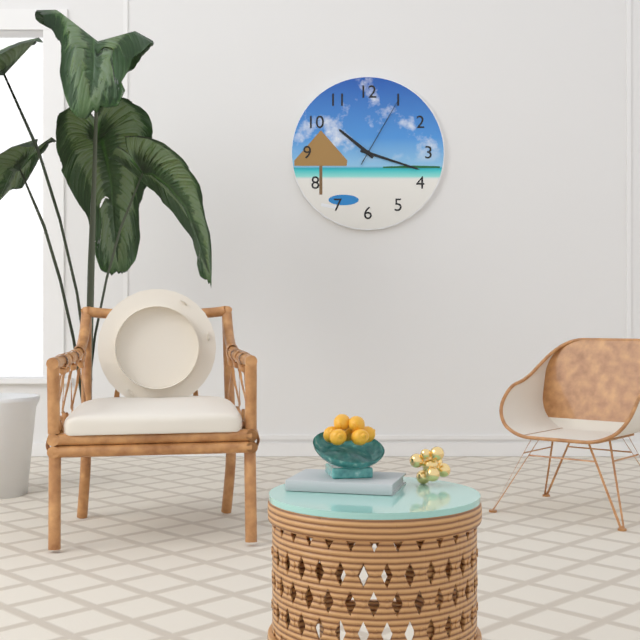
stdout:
h=10 m=18 s=5
